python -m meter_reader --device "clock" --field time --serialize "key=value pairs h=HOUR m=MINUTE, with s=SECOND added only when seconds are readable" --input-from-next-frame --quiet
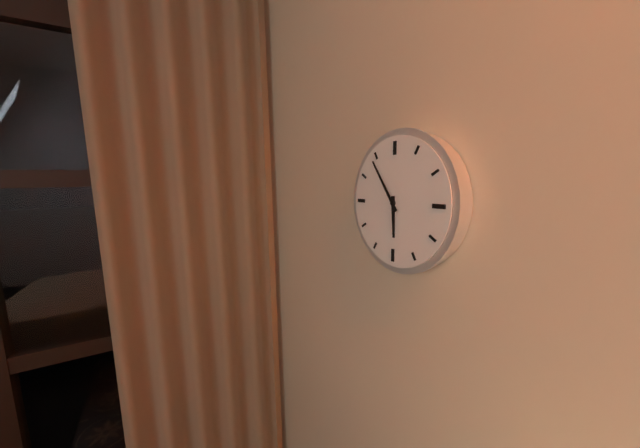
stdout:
h=5 m=54
